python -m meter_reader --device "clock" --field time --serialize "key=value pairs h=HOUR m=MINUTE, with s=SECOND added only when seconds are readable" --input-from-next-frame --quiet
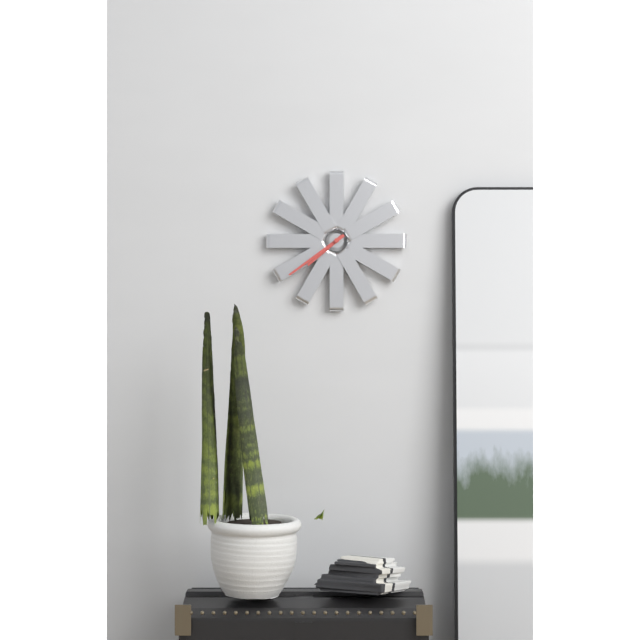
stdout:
h=7 m=39
